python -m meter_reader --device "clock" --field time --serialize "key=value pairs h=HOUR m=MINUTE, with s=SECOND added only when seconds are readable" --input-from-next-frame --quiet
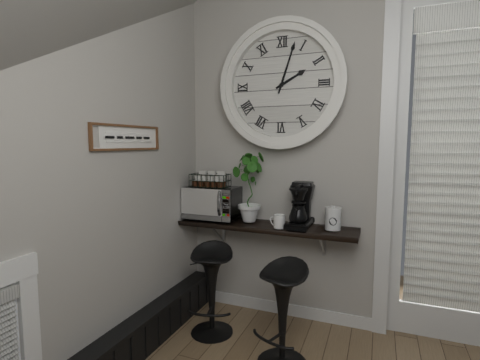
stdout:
h=2 m=3
